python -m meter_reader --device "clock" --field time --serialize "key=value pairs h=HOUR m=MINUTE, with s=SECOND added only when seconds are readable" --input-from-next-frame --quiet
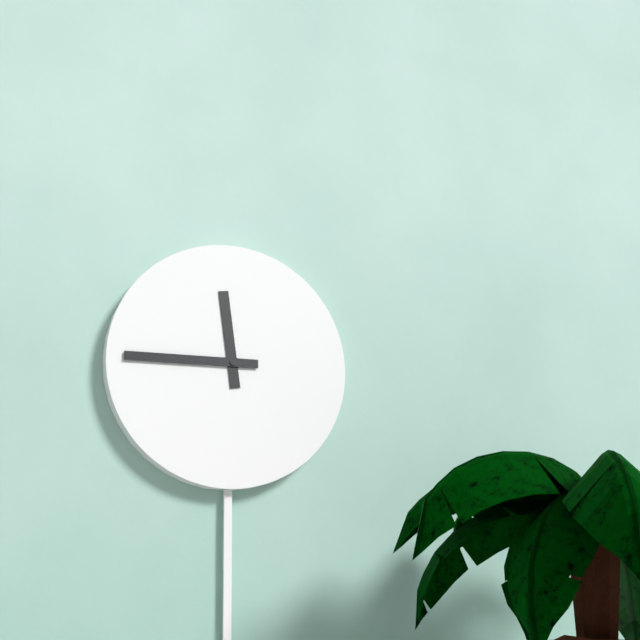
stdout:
h=11 m=45
